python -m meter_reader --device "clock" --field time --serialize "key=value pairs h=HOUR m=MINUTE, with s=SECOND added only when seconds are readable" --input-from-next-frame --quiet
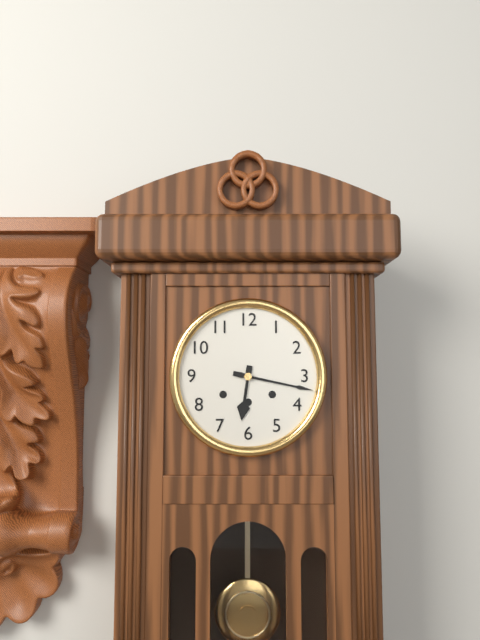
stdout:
h=6 m=17
